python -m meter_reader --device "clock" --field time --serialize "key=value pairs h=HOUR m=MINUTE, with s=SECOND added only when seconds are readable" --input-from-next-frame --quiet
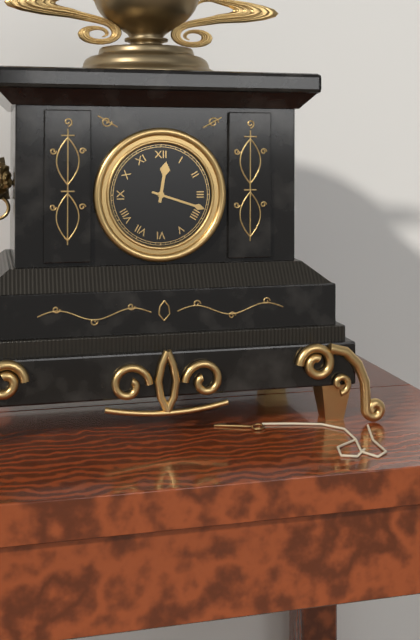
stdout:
h=12 m=18
